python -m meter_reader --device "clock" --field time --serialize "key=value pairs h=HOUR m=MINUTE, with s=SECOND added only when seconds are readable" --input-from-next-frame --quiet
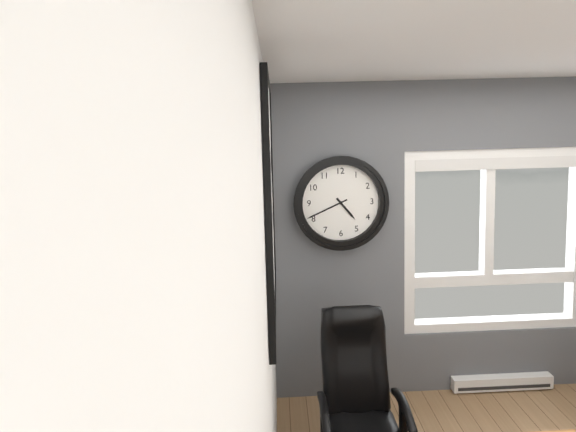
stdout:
h=4 m=41
